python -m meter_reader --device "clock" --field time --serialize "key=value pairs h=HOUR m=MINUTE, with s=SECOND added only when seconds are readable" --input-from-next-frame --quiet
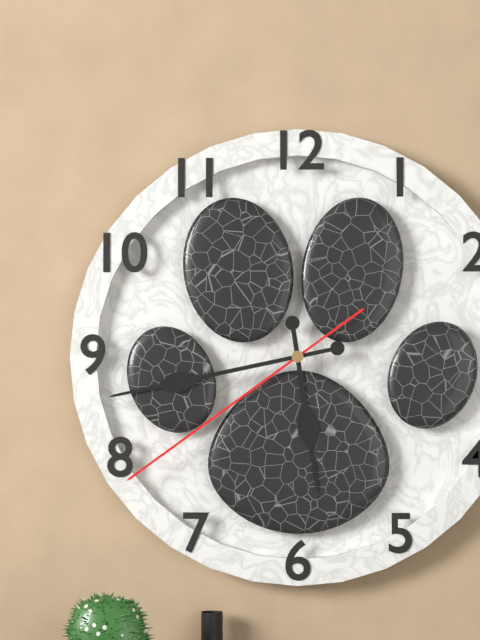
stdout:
h=5 m=43 s=39
